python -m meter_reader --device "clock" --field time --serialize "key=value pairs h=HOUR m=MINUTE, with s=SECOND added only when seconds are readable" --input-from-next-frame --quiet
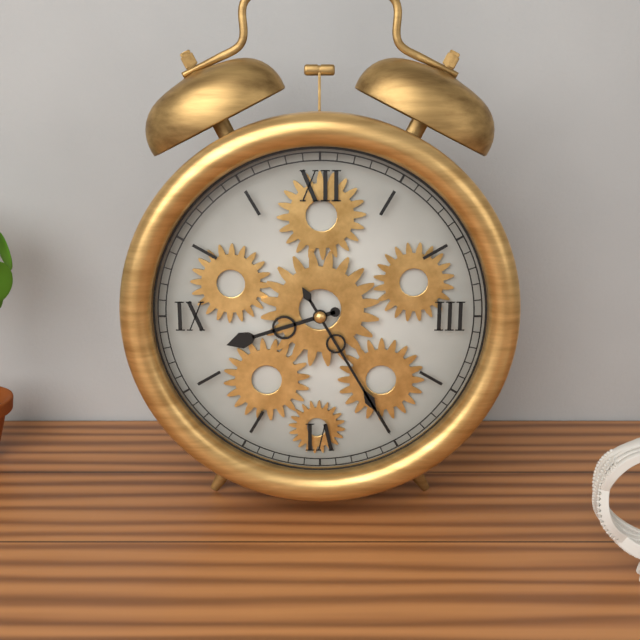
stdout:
h=8 m=25
